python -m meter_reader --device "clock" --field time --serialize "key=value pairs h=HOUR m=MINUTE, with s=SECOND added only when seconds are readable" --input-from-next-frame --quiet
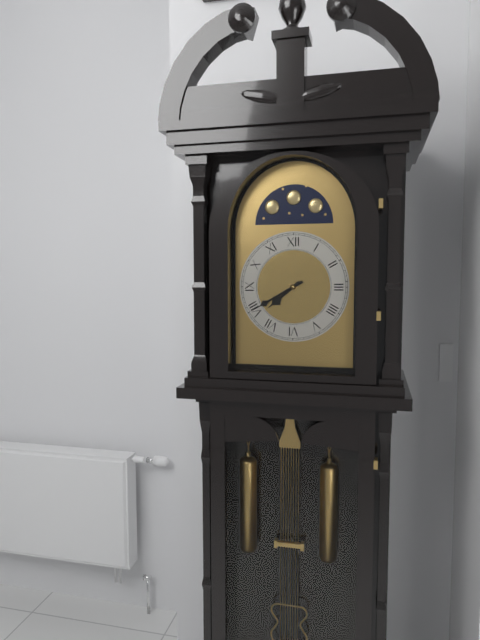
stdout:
h=7 m=40
